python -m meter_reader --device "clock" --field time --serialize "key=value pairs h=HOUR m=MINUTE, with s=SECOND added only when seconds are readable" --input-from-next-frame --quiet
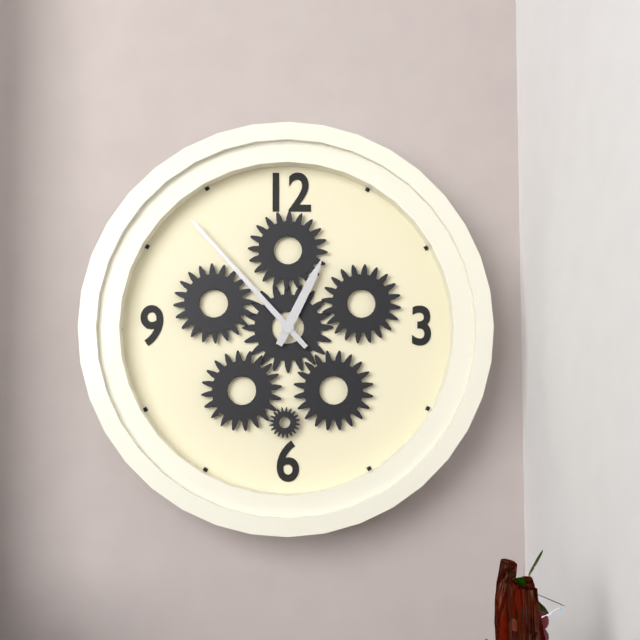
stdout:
h=12 m=53
